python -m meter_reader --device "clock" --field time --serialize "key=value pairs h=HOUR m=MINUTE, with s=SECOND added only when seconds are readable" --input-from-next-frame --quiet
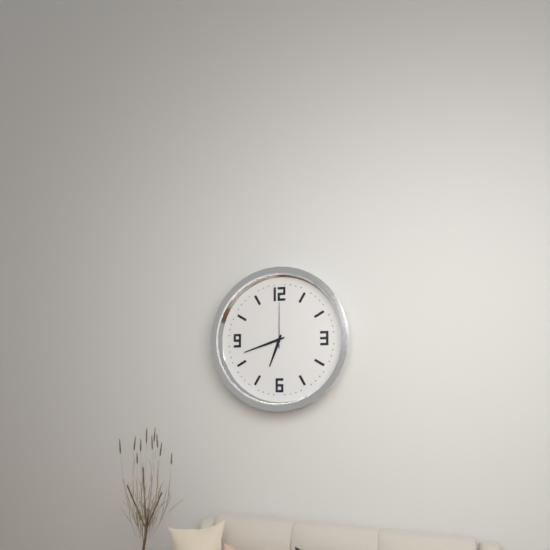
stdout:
h=6 m=42
